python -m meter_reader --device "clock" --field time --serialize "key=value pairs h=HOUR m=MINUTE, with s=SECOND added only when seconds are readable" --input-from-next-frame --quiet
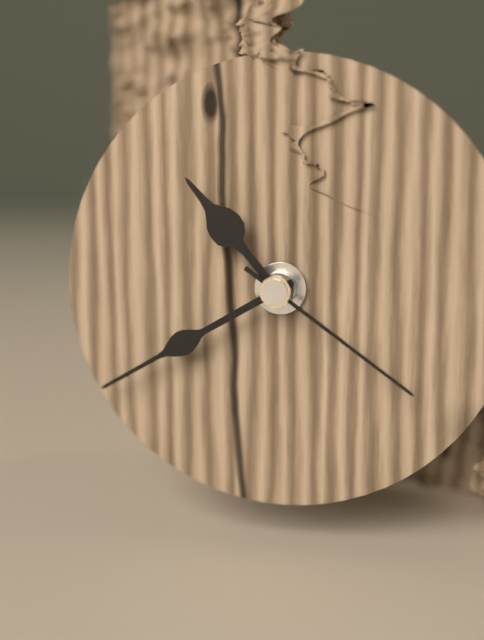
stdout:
h=10 m=40 s=21
